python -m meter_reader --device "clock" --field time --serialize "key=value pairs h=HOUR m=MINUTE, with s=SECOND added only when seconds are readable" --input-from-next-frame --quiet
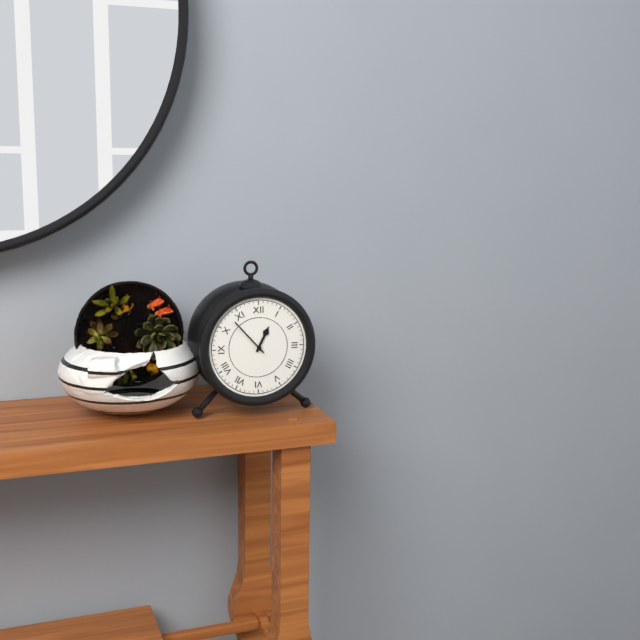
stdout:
h=12 m=53
